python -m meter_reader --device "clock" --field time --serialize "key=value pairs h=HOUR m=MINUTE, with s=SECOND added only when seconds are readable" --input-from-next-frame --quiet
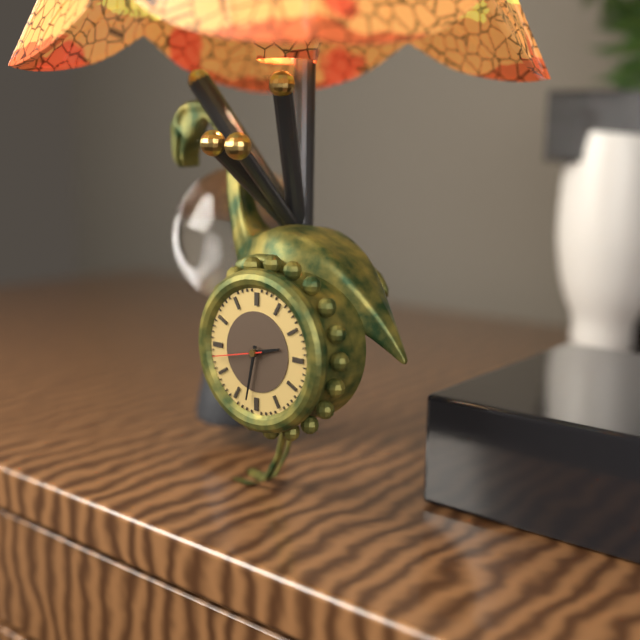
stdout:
h=2 m=32 s=43
